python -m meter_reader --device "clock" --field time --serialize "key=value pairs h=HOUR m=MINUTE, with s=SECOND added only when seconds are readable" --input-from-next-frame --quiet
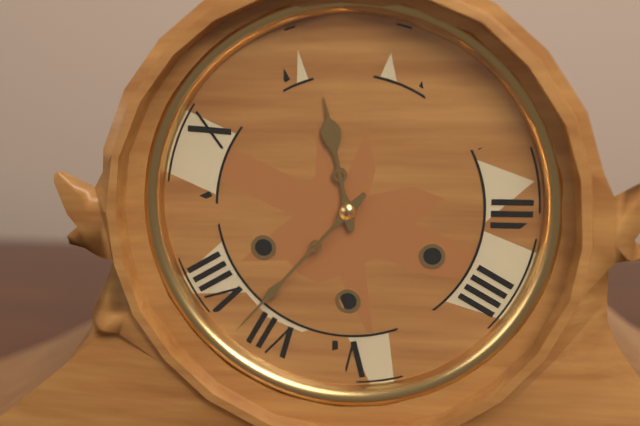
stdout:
h=11 m=37
